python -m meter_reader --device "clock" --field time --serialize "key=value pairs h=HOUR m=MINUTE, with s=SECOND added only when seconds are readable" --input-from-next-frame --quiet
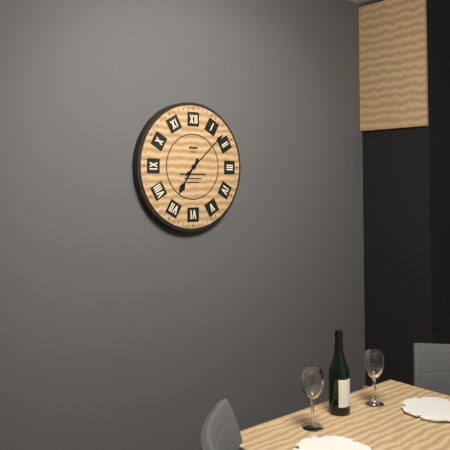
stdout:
h=7 m=8
